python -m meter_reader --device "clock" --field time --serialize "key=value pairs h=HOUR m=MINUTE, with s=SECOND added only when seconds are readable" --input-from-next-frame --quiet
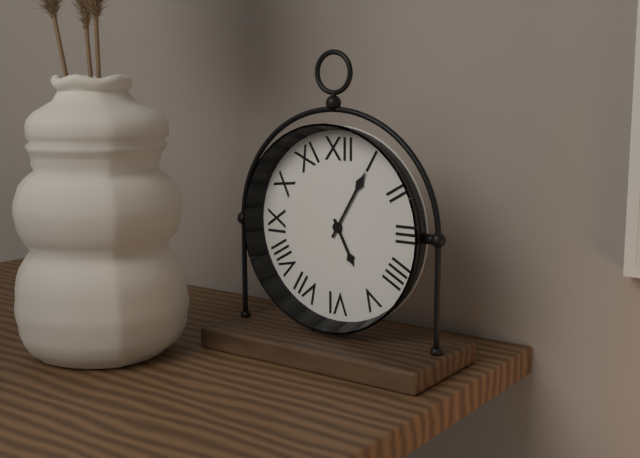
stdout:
h=5 m=5
